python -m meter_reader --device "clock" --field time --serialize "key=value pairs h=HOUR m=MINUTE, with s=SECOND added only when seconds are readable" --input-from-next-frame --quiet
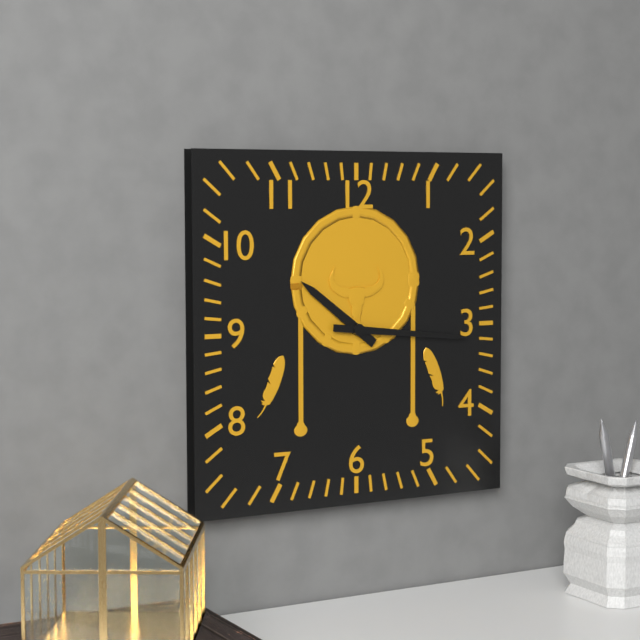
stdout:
h=10 m=16
